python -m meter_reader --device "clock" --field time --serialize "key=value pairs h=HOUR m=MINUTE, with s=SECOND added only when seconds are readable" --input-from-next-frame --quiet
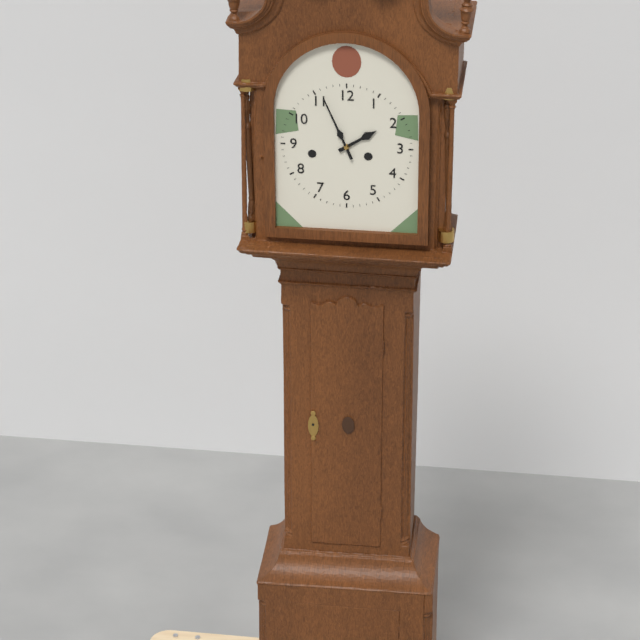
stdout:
h=1 m=56
